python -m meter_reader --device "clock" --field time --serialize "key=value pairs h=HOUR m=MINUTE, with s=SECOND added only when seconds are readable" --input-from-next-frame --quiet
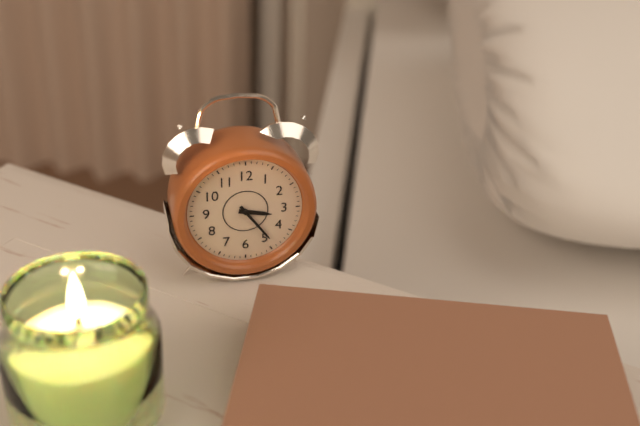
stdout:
h=3 m=24
